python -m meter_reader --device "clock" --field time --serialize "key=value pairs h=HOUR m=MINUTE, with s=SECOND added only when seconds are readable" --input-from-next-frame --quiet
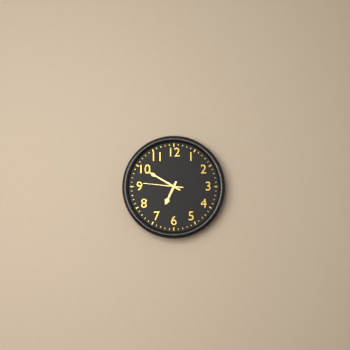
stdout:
h=6 m=50
